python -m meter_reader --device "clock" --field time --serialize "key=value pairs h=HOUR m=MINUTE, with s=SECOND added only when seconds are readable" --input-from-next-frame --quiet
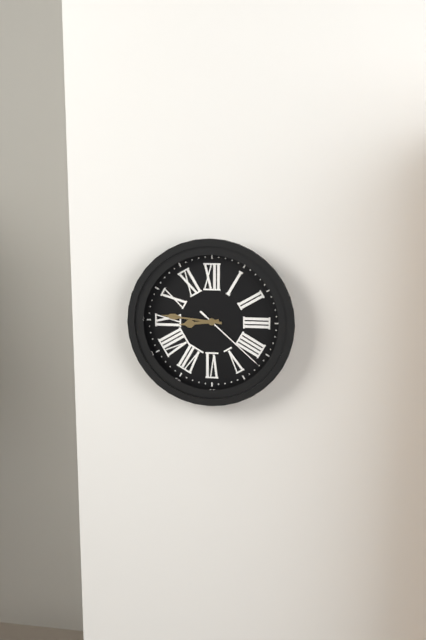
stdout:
h=8 m=46 s=22
